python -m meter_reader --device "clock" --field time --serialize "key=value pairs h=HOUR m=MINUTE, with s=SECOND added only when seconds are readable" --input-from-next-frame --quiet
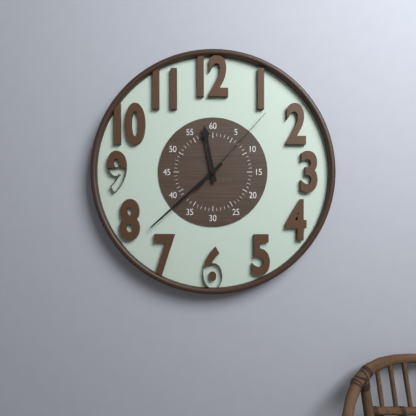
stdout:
h=11 m=38 s=7
